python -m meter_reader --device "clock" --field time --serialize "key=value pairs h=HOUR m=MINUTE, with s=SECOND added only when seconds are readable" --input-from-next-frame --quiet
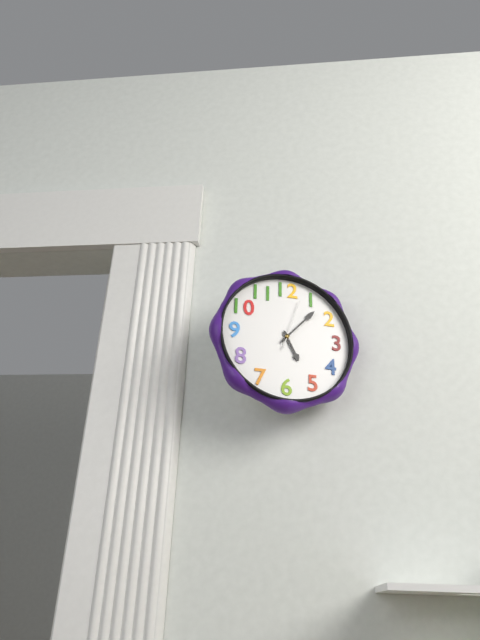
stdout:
h=5 m=7
